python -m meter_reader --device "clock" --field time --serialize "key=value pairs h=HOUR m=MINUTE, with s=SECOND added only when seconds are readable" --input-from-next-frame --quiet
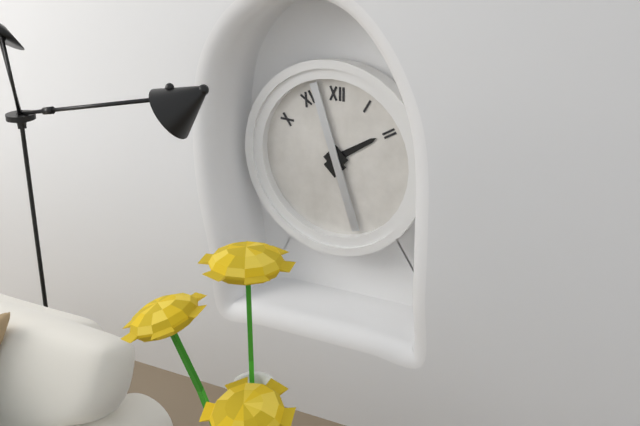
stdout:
h=1 m=57
